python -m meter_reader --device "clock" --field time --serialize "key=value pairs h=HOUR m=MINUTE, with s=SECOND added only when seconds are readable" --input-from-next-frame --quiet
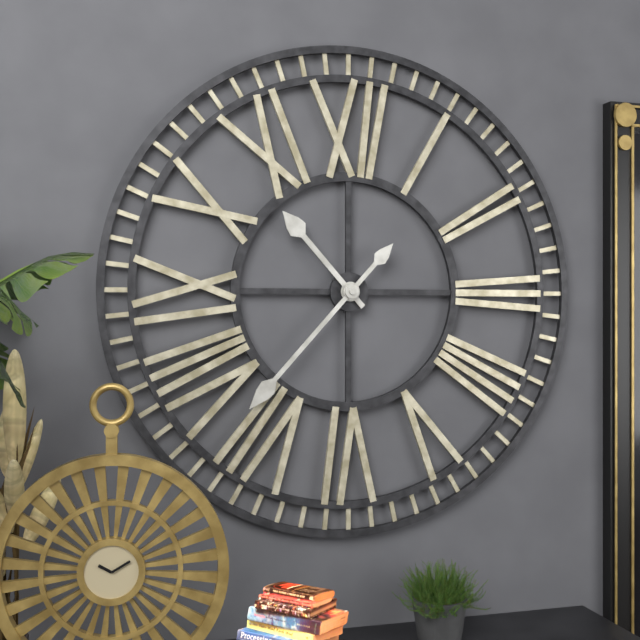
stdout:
h=10 m=37
